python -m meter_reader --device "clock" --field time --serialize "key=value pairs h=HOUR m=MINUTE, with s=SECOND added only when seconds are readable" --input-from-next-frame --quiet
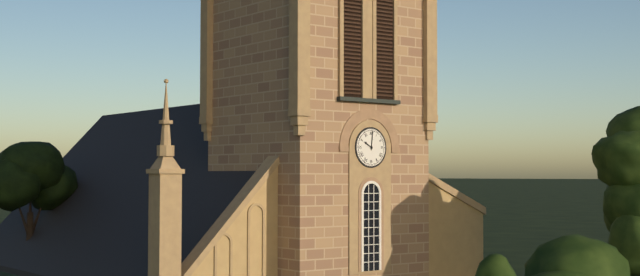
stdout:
h=10 m=1
